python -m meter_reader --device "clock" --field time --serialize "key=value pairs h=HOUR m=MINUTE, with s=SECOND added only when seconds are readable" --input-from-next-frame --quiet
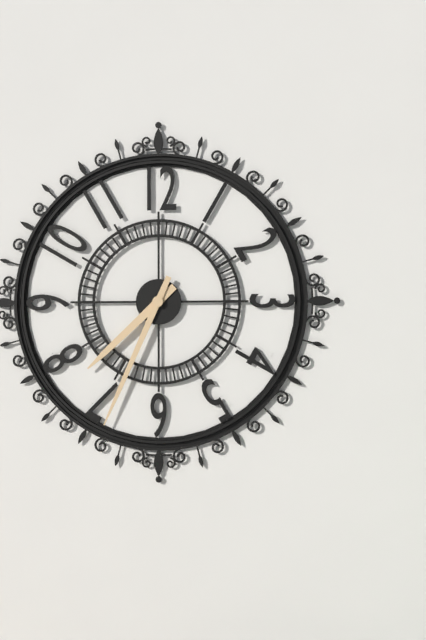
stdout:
h=7 m=34
